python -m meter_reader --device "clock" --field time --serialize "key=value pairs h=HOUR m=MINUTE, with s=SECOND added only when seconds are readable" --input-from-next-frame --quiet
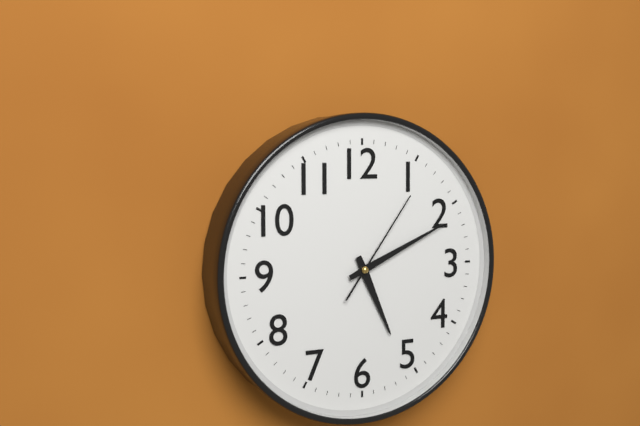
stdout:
h=5 m=11 s=6
